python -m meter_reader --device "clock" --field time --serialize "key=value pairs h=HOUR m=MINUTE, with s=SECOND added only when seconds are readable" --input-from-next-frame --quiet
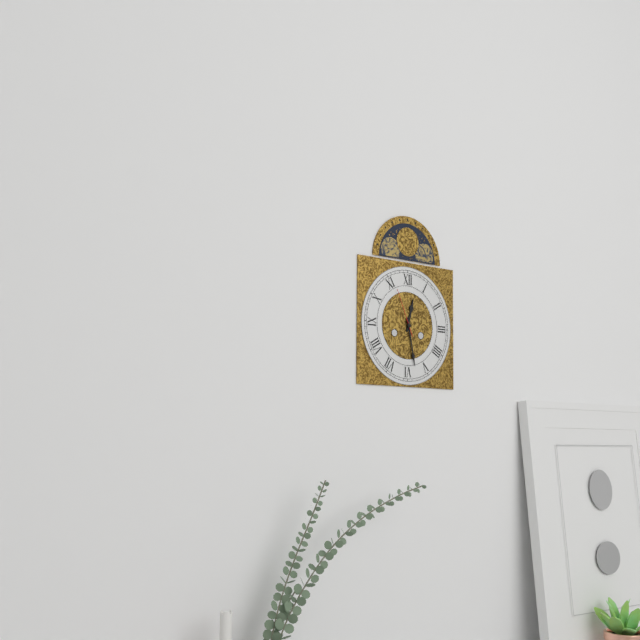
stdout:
h=12 m=28
